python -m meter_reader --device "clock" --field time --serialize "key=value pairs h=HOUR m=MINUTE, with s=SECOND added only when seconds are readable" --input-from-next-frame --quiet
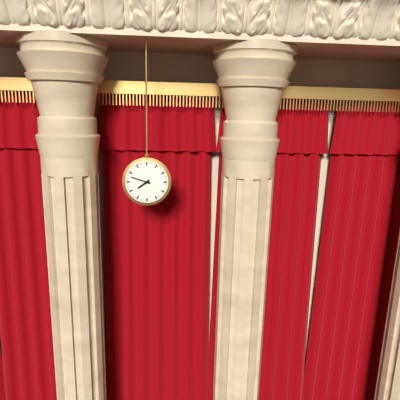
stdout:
h=7 m=48
